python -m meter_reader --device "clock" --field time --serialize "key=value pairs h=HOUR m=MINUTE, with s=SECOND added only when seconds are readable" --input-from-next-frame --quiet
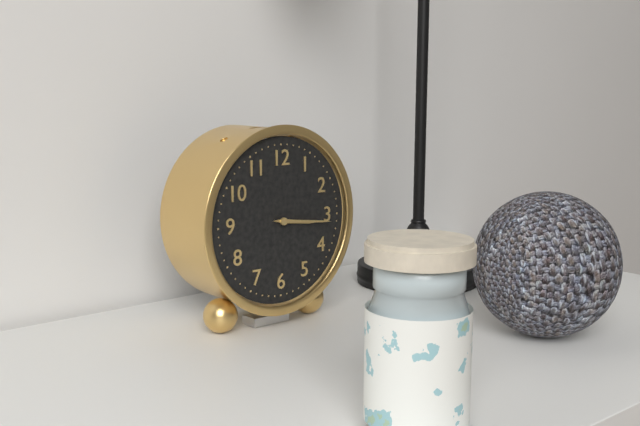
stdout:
h=3 m=16
